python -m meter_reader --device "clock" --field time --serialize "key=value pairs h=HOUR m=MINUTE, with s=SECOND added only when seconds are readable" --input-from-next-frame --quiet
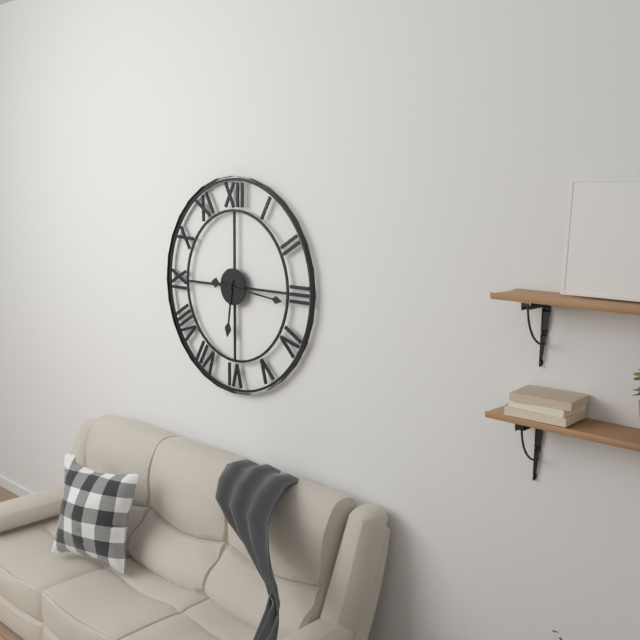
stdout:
h=6 m=16
